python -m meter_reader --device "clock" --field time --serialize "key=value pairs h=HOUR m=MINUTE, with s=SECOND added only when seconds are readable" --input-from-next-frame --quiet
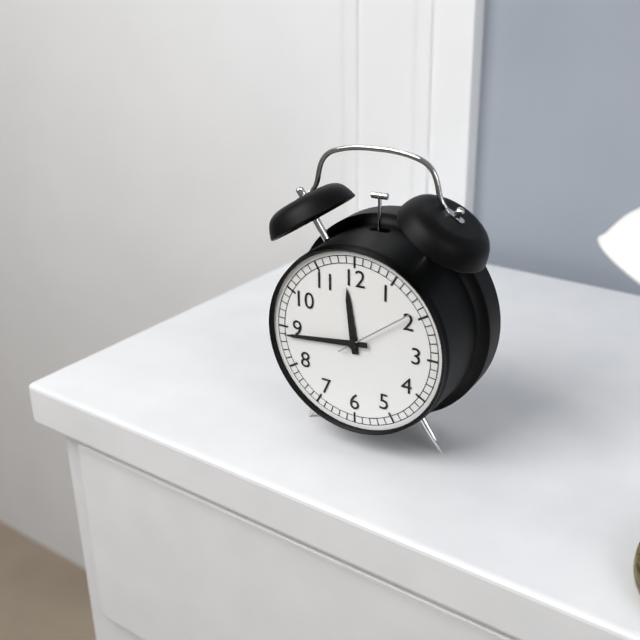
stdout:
h=11 m=44 s=9
